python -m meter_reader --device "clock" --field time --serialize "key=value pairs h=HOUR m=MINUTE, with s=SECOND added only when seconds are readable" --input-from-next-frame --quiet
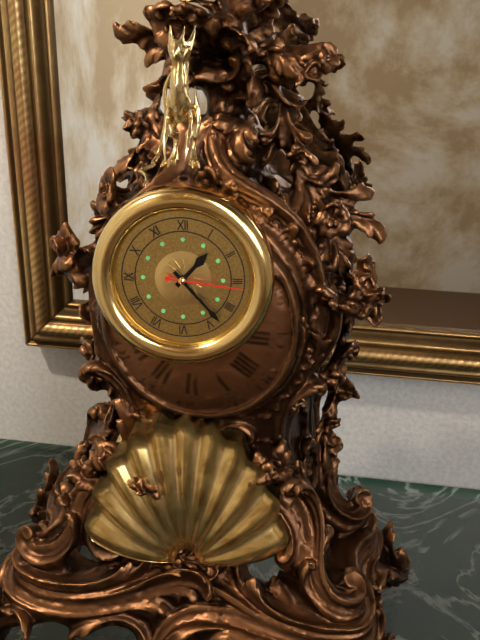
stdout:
h=1 m=23 s=16
